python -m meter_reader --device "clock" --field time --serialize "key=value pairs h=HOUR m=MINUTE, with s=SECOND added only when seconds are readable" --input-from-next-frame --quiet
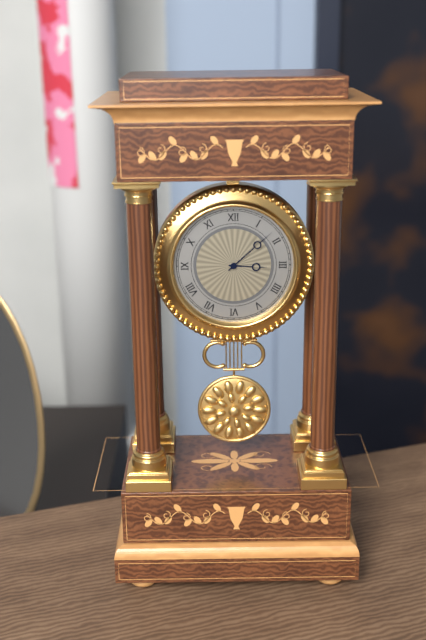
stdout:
h=3 m=8
